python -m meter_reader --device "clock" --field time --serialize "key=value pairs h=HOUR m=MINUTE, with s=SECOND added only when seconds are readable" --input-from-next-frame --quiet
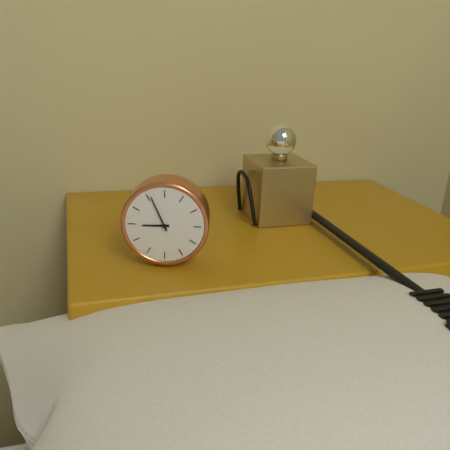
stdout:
h=8 m=56
